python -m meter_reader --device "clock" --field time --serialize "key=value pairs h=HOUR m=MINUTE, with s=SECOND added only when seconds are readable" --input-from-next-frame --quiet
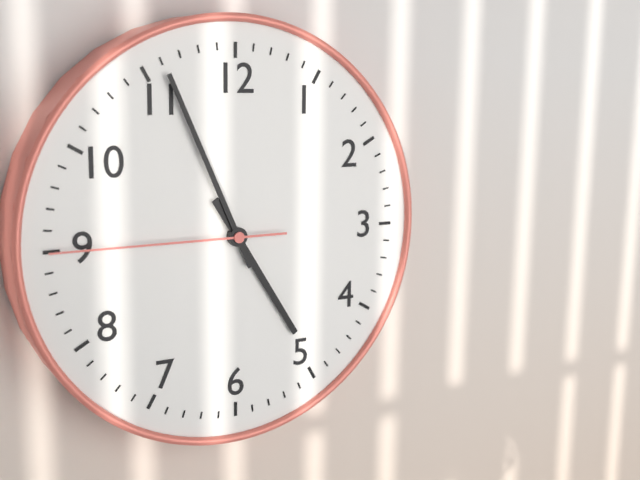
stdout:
h=4 m=56 s=45
